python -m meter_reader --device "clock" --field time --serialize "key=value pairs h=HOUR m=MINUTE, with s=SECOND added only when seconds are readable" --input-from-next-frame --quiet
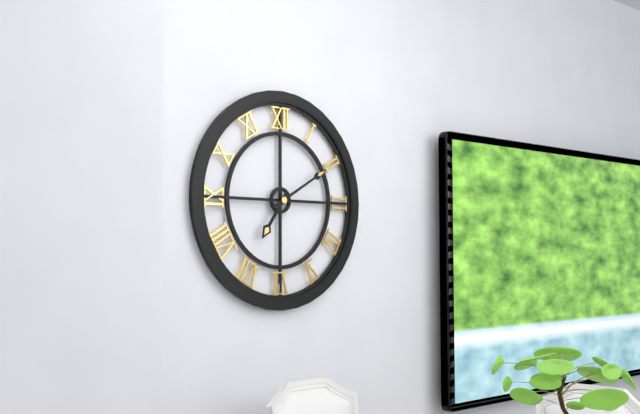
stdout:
h=7 m=10
